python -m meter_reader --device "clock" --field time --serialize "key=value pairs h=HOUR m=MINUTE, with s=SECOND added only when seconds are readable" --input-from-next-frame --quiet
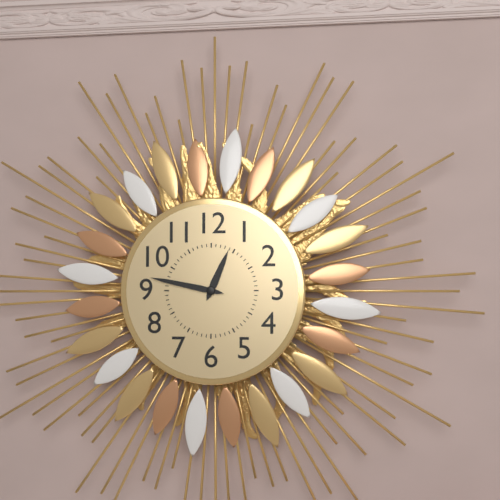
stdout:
h=12 m=47
